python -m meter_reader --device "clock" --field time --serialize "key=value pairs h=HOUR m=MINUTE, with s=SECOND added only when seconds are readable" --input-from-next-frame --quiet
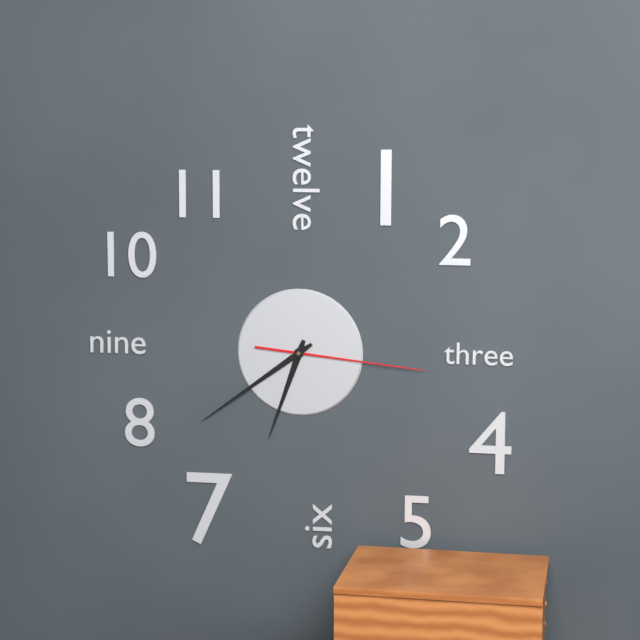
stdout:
h=6 m=39 s=16
